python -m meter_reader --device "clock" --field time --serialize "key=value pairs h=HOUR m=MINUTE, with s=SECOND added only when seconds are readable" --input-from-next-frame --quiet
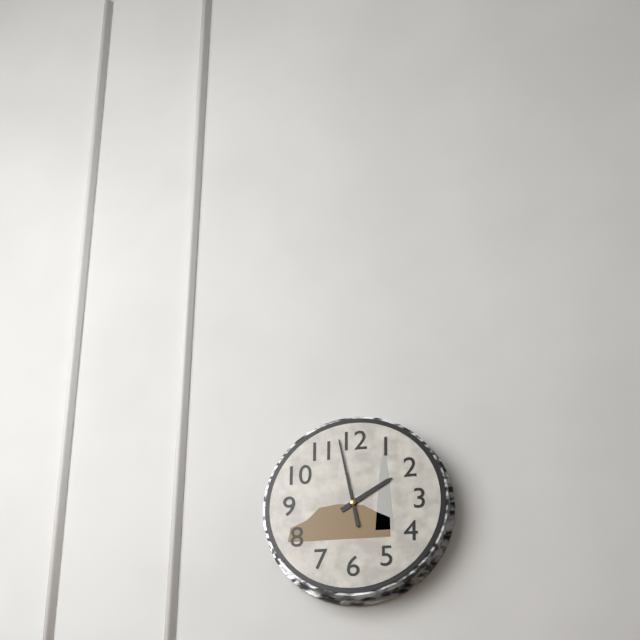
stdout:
h=1 m=58
